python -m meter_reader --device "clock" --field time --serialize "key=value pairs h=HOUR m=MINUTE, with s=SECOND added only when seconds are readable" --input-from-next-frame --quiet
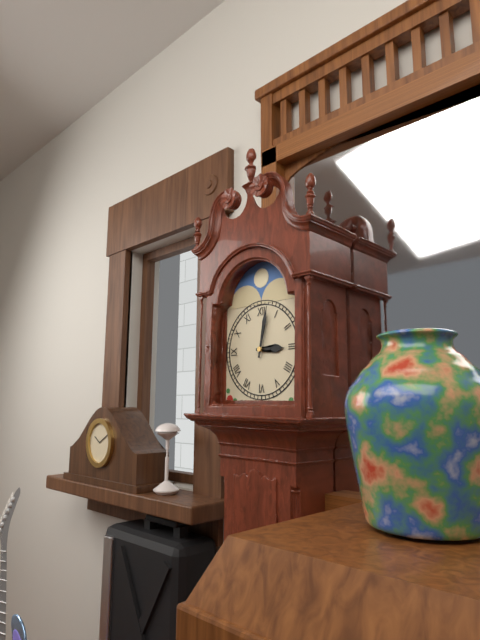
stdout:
h=3 m=2
